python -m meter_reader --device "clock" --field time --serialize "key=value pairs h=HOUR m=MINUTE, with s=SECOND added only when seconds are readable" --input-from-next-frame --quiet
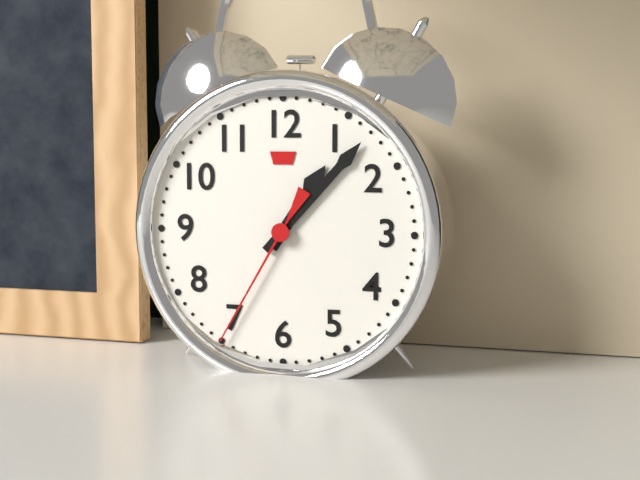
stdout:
h=1 m=7 s=35
